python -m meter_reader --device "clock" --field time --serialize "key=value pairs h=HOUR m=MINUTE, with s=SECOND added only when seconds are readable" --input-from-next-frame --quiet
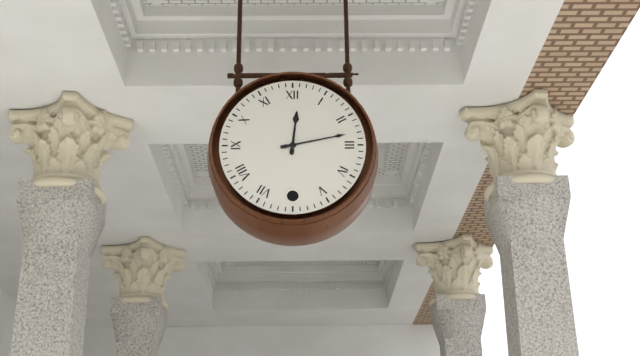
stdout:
h=12 m=13
